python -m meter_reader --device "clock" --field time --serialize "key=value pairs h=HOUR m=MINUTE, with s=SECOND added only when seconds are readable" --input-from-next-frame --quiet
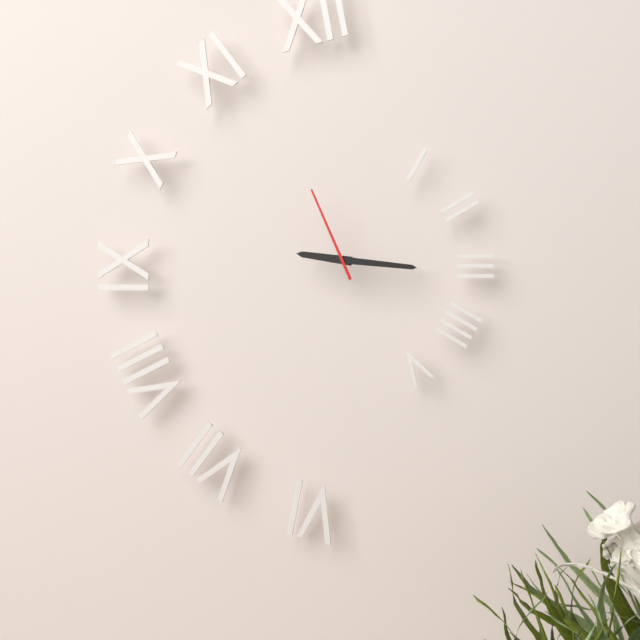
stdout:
h=9 m=16 s=56
